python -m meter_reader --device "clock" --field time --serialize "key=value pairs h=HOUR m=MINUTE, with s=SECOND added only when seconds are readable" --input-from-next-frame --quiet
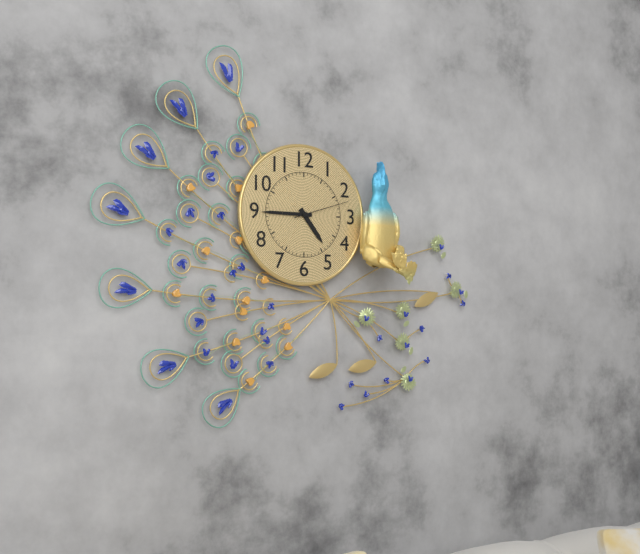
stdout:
h=4 m=45 s=12
